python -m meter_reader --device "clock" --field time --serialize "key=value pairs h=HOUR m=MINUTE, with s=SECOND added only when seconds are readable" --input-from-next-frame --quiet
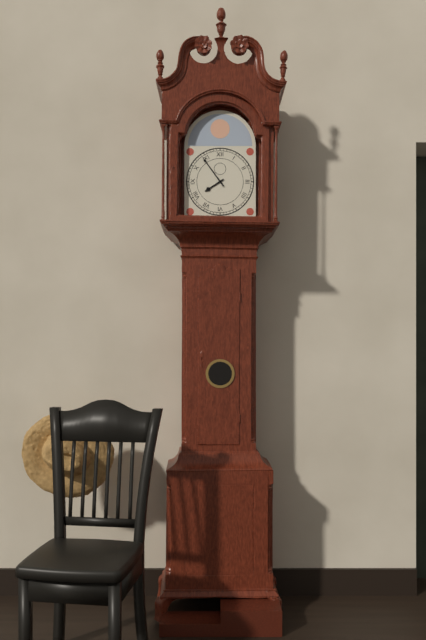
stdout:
h=7 m=54
